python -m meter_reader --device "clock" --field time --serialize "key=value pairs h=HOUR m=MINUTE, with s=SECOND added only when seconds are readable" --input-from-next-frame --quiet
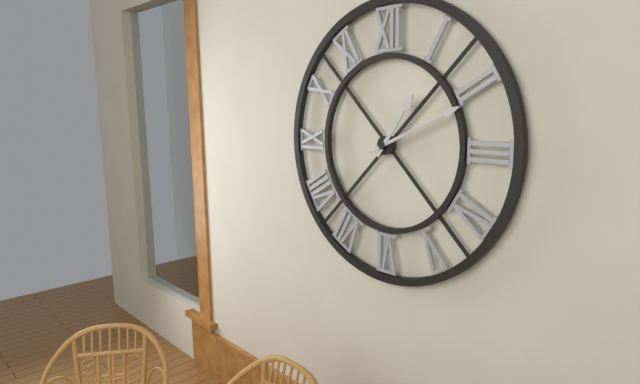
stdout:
h=1 m=11
